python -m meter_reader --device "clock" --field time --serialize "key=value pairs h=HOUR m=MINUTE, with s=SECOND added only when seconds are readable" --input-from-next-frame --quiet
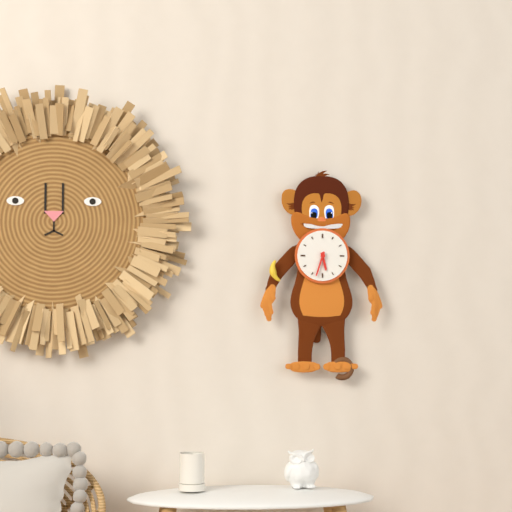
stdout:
h=5 m=33
